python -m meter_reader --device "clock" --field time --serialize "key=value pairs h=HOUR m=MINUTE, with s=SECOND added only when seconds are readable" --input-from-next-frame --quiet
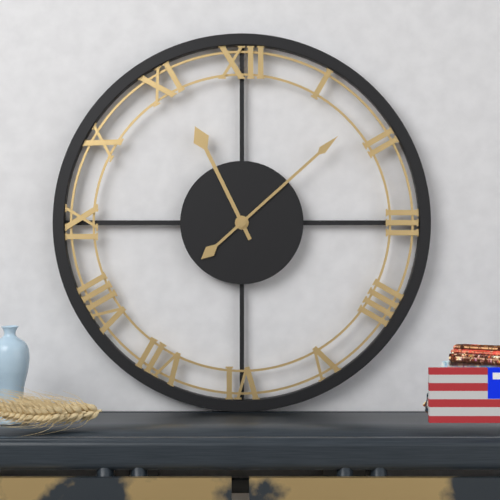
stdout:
h=11 m=8
